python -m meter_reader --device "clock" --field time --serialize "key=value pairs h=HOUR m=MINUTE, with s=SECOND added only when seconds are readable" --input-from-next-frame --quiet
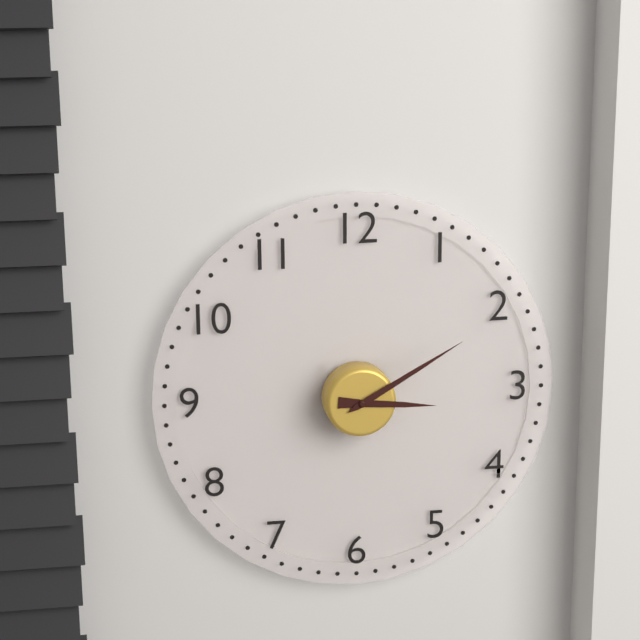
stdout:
h=3 m=10
